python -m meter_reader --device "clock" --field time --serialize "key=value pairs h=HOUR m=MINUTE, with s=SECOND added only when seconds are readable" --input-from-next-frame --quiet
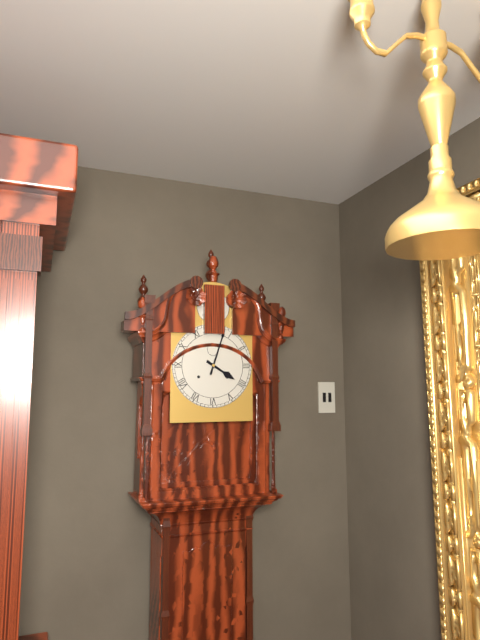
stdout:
h=4 m=3
